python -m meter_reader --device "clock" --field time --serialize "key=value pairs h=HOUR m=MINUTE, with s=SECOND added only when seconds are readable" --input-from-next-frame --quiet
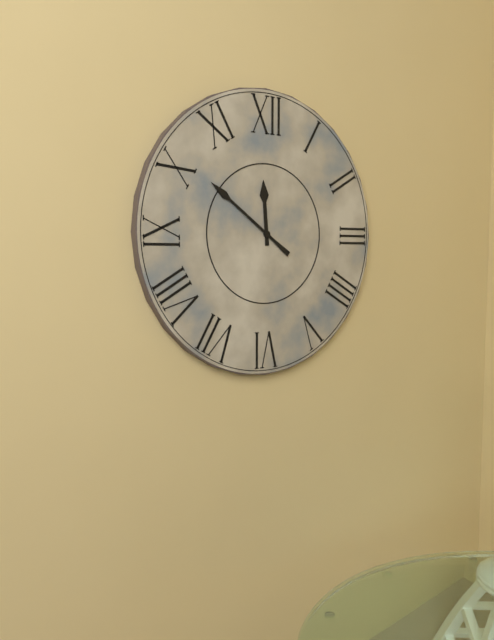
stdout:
h=11 m=51
